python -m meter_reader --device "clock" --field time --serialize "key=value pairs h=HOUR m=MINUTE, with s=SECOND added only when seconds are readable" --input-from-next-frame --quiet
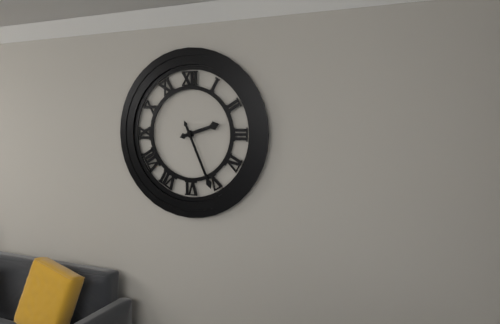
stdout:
h=2 m=26
